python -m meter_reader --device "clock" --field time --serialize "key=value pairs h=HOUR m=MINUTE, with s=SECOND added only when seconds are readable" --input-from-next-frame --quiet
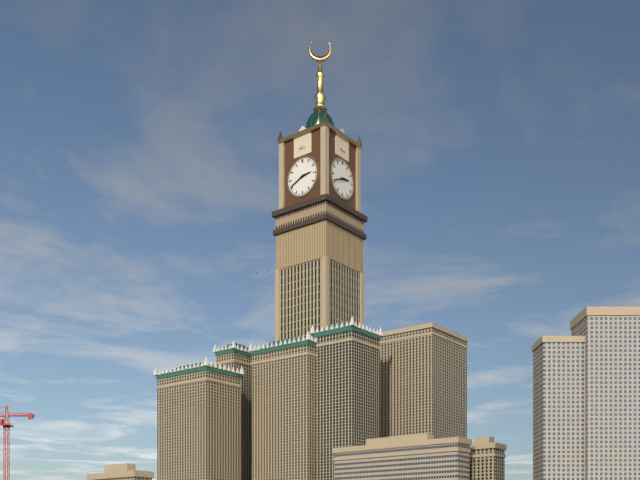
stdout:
h=2 m=41
